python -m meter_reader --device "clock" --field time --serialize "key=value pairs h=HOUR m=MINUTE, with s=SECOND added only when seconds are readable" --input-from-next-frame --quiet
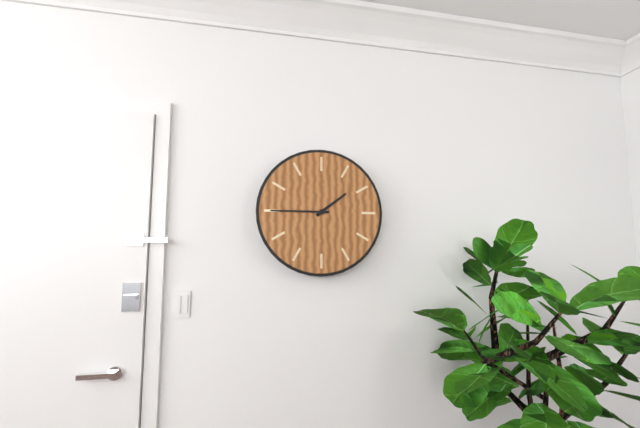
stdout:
h=1 m=45
